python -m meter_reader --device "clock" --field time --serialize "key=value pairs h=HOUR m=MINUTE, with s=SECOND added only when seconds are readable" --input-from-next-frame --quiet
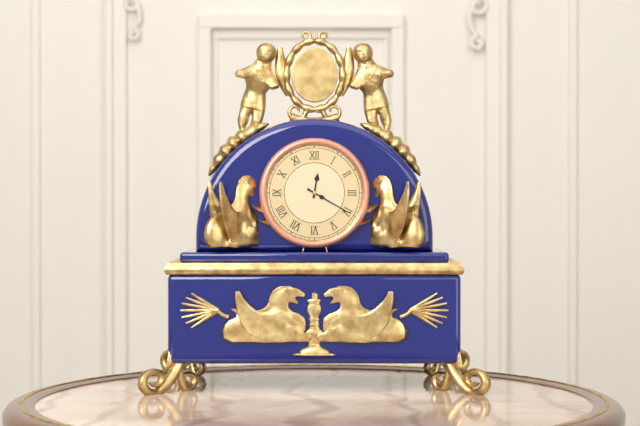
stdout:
h=12 m=20
